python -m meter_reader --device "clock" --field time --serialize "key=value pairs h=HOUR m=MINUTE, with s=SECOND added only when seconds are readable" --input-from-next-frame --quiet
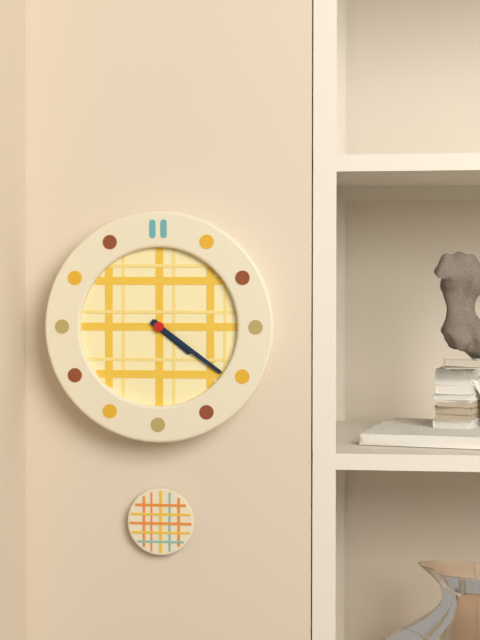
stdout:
h=4 m=21
